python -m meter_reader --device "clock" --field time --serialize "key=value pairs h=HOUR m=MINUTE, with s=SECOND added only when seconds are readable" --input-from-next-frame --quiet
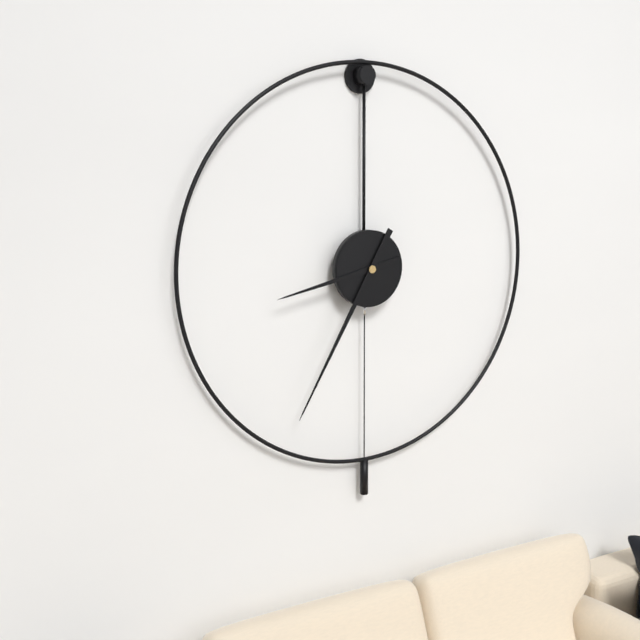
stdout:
h=8 m=35
